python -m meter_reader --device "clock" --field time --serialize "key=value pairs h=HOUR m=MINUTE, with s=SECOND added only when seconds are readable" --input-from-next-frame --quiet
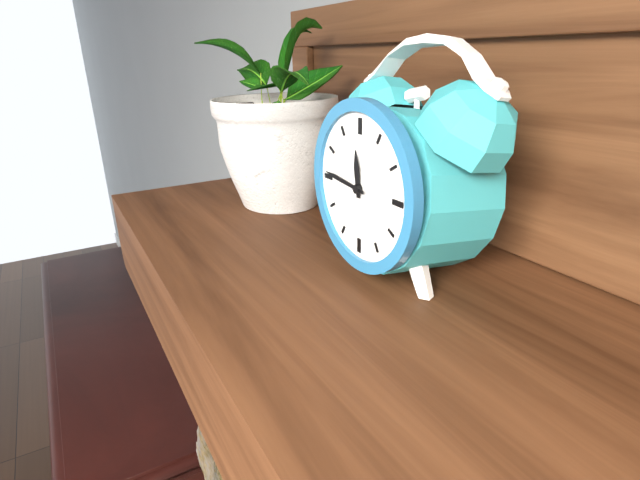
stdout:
h=11 m=46
